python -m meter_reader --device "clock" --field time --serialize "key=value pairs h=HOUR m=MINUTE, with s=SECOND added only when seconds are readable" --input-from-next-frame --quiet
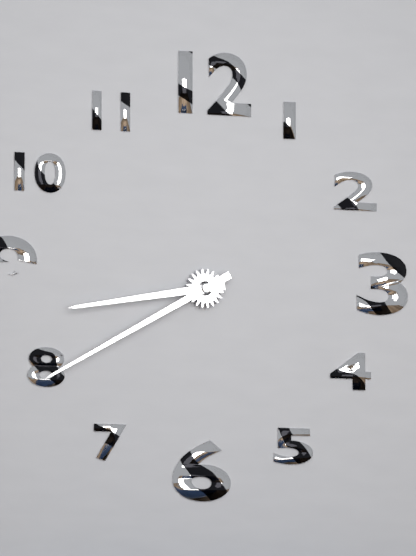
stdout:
h=8 m=40
